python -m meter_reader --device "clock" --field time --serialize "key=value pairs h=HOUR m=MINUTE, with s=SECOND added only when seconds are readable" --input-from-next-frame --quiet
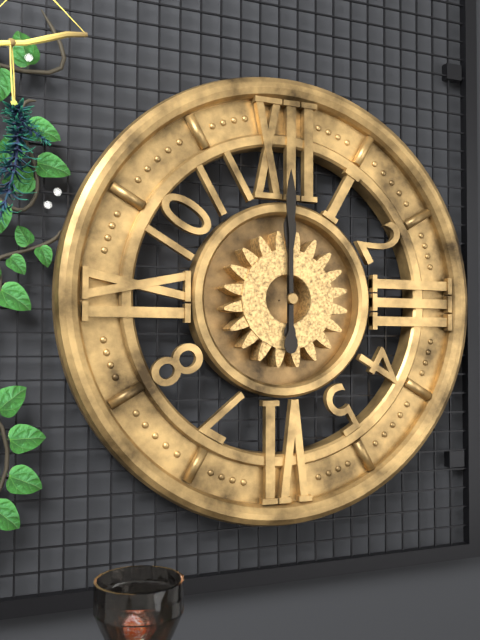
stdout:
h=12 m=0
